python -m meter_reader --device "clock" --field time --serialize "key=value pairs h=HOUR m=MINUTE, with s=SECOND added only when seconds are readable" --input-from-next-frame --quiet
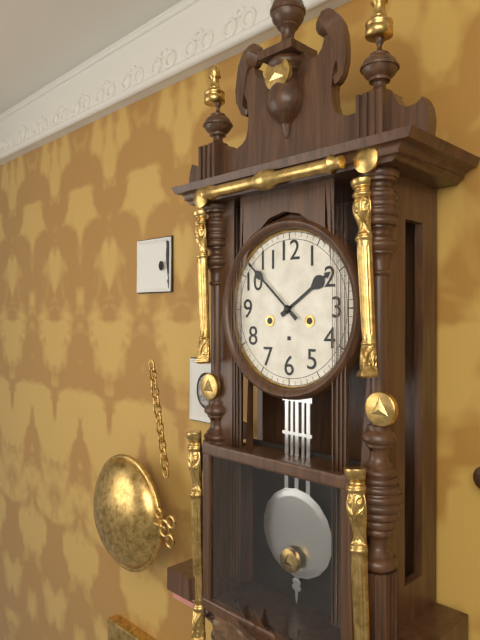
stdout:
h=1 m=52
